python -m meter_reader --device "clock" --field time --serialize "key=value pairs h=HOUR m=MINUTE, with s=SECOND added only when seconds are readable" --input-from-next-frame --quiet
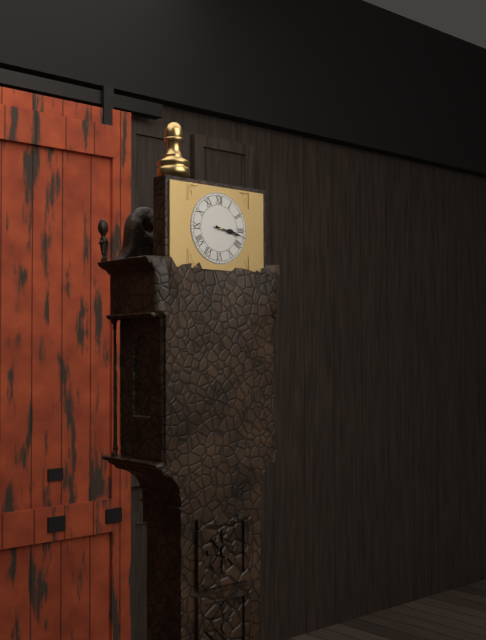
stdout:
h=3 m=17
